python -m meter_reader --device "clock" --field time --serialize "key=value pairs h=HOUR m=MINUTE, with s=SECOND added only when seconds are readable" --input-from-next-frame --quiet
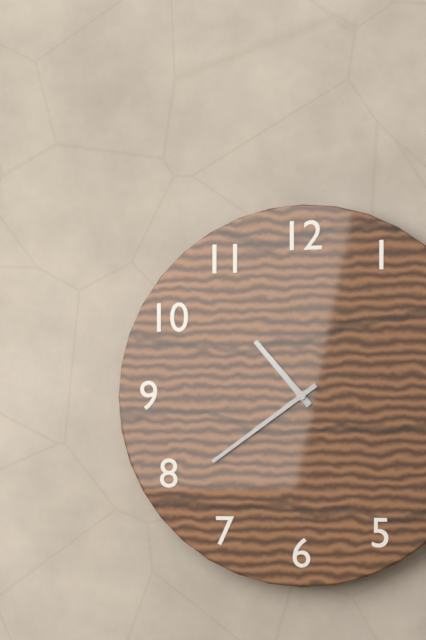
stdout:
h=10 m=39
